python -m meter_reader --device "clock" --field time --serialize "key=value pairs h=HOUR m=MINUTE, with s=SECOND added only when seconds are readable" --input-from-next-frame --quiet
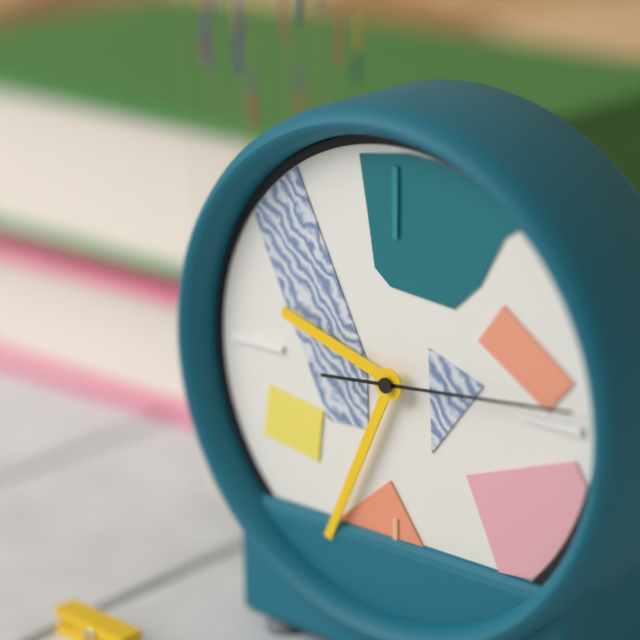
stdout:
h=9 m=34 s=14
